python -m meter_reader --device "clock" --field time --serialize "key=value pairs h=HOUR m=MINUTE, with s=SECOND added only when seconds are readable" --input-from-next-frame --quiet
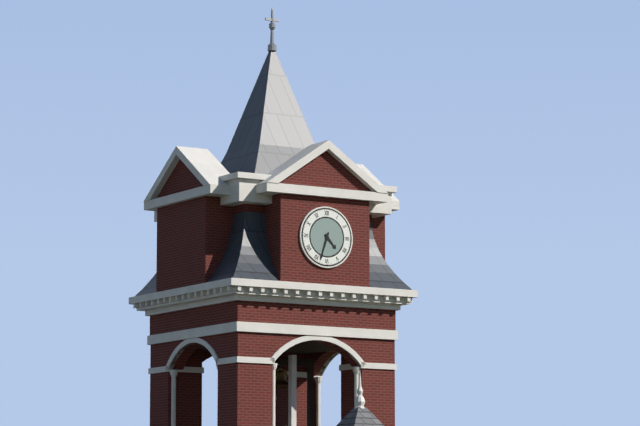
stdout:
h=4 m=33
